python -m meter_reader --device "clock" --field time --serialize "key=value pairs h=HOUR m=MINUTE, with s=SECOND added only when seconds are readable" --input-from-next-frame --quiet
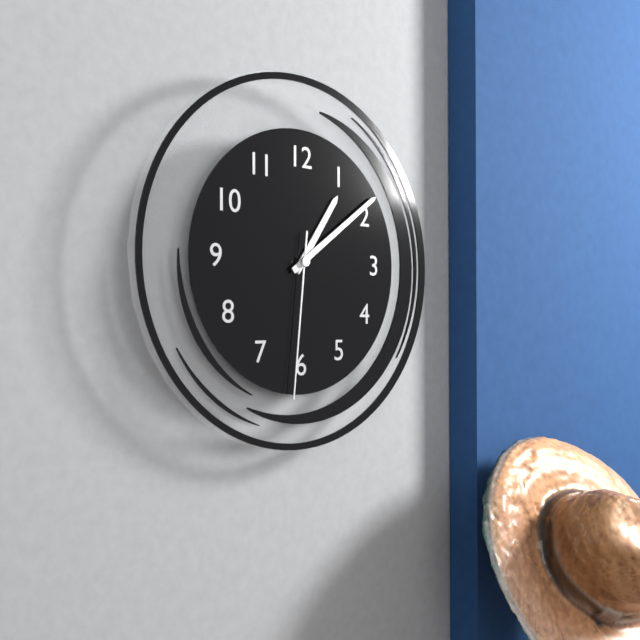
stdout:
h=1 m=9 s=31
